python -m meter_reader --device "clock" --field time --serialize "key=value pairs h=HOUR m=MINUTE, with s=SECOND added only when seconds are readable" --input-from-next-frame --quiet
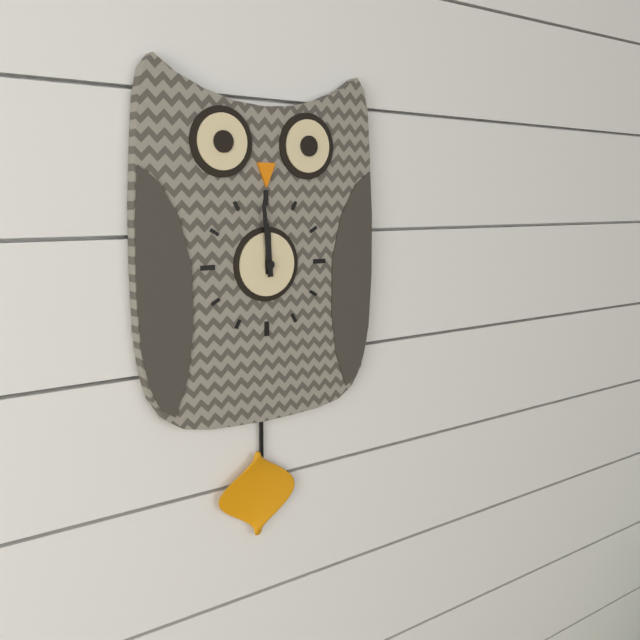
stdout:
h=11 m=59
